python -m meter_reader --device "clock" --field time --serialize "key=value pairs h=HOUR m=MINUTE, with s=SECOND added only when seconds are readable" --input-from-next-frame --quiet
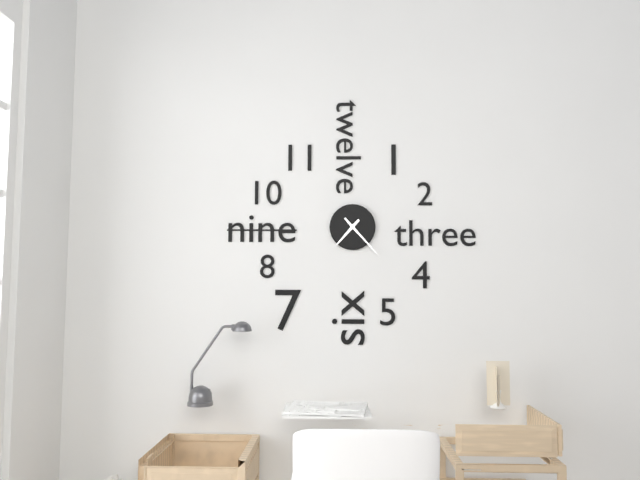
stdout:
h=7 m=23
